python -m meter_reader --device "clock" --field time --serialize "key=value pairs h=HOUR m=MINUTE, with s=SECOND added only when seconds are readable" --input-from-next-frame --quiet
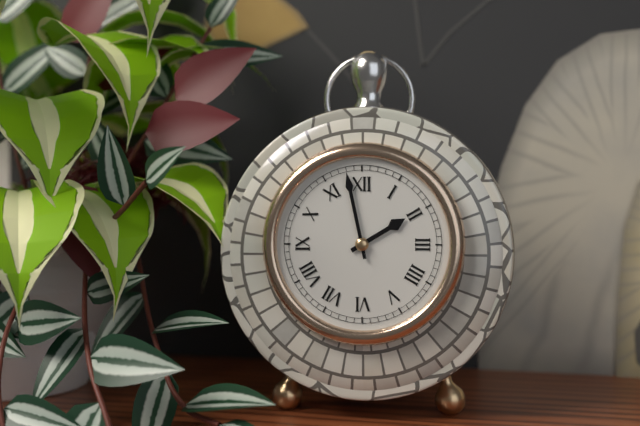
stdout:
h=1 m=58
